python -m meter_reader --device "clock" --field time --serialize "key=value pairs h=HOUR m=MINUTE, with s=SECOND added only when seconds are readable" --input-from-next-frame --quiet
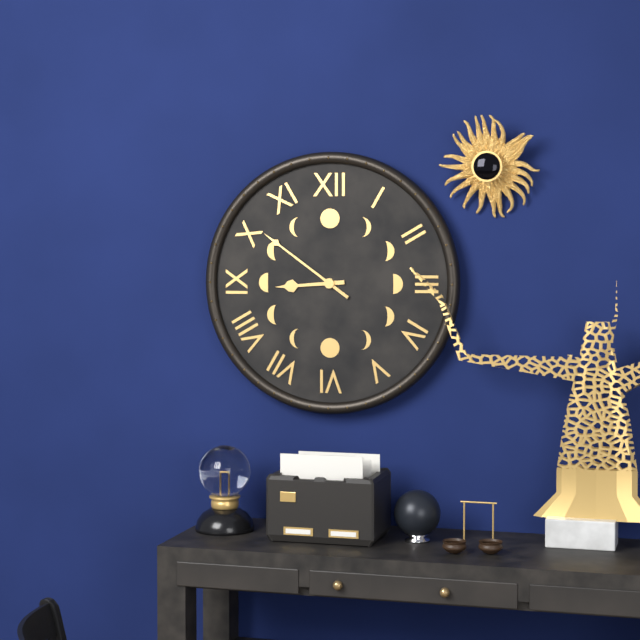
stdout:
h=8 m=51
